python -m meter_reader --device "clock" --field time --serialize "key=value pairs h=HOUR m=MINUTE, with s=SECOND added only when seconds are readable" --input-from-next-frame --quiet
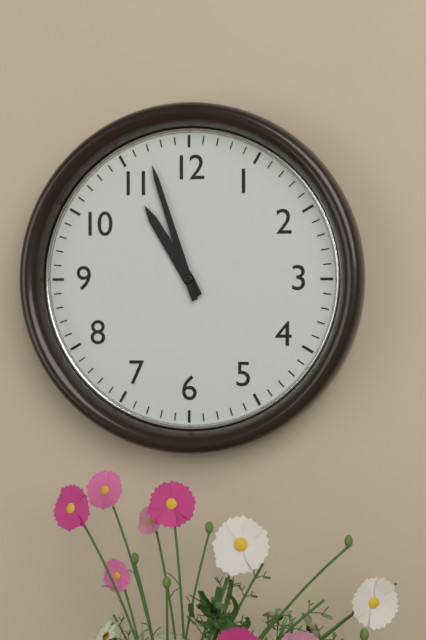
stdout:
h=10 m=57
